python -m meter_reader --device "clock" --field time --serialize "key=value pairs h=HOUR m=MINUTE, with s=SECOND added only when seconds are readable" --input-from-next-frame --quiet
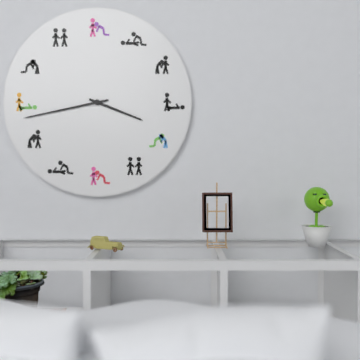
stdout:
h=3 m=43
